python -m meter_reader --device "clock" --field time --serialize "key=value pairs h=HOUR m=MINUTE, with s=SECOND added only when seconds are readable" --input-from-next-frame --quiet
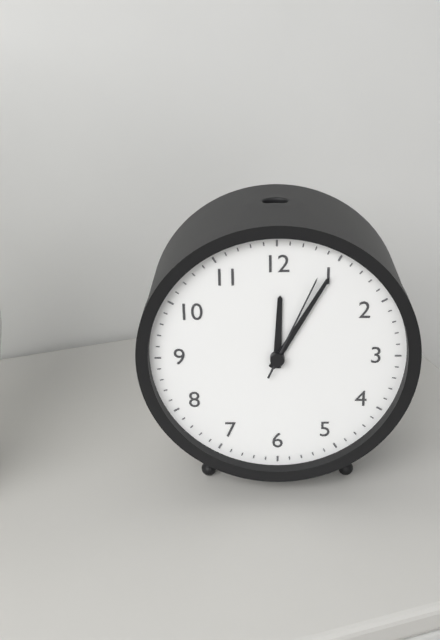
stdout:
h=12 m=5 s=4
